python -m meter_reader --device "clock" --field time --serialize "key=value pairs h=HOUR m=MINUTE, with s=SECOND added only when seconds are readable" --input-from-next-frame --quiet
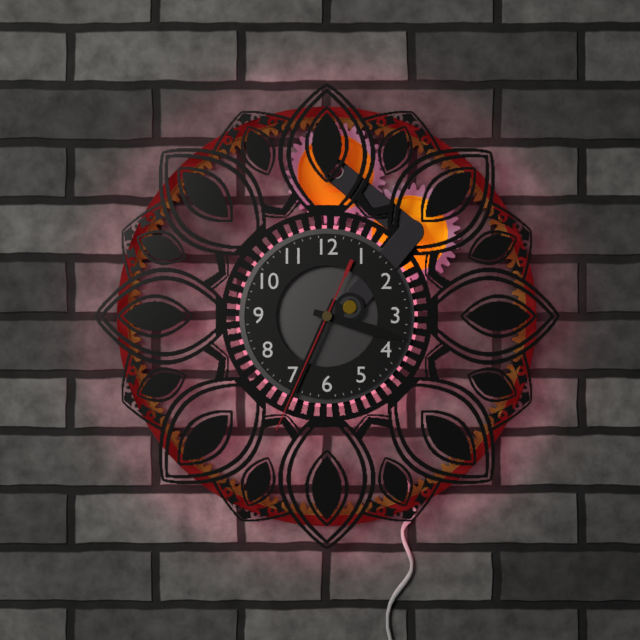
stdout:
h=3 m=34 s=34
